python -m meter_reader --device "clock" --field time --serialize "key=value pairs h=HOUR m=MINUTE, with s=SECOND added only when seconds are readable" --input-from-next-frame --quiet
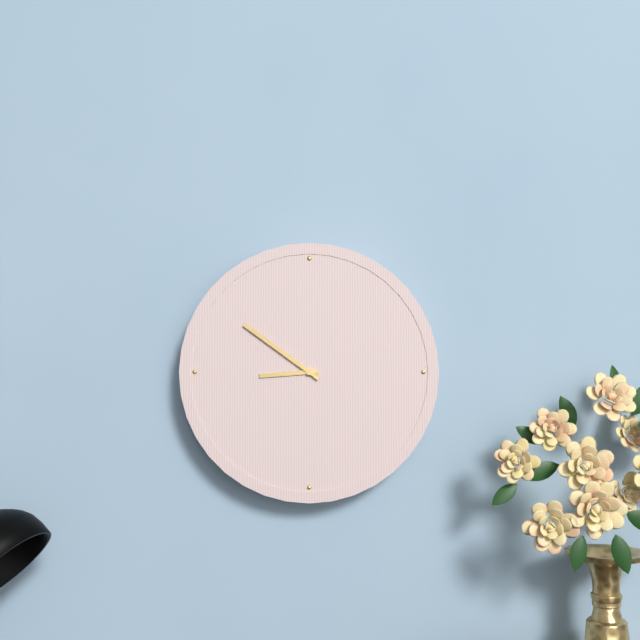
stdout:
h=8 m=51
